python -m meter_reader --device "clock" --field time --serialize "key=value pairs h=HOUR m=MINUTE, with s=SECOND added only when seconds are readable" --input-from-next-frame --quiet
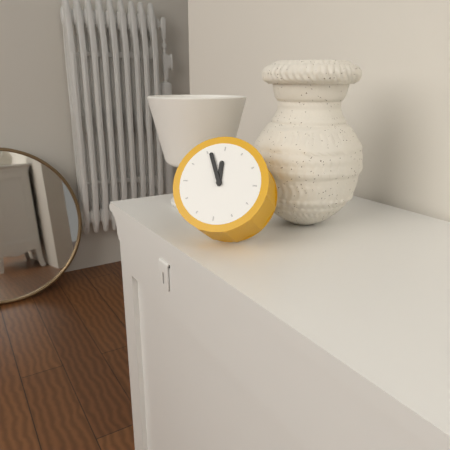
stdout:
h=11 m=56
